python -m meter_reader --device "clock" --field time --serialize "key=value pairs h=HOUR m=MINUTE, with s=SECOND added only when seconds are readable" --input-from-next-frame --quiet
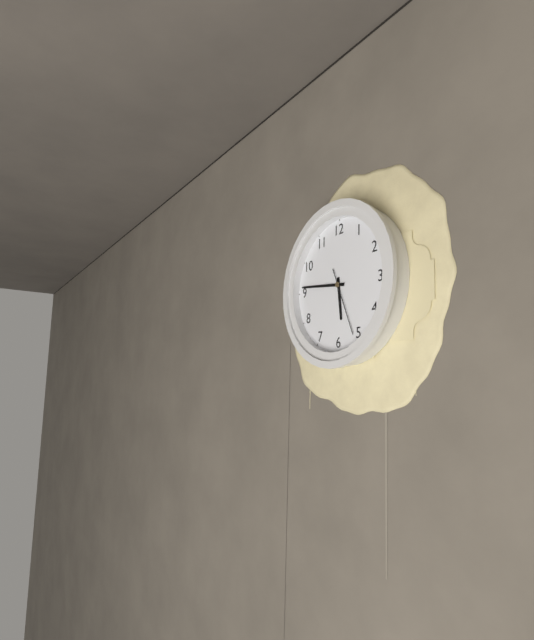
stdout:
h=5 m=46 s=26
